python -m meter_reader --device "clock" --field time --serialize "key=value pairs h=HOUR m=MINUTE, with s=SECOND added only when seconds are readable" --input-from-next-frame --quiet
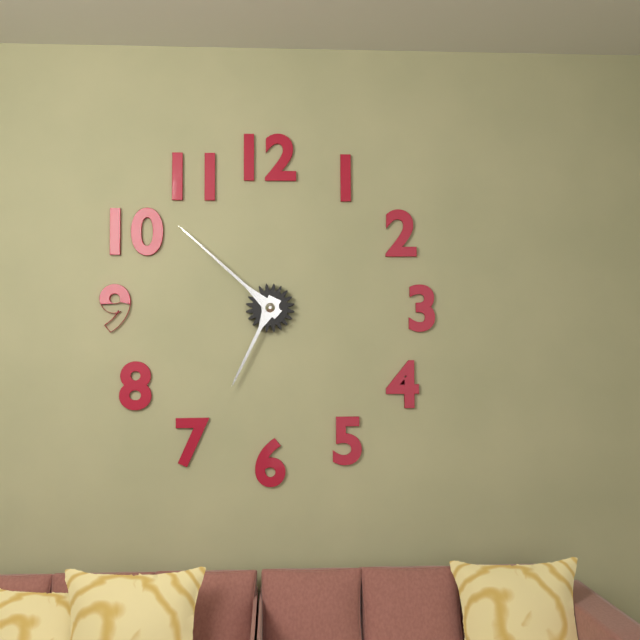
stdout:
h=6 m=52
